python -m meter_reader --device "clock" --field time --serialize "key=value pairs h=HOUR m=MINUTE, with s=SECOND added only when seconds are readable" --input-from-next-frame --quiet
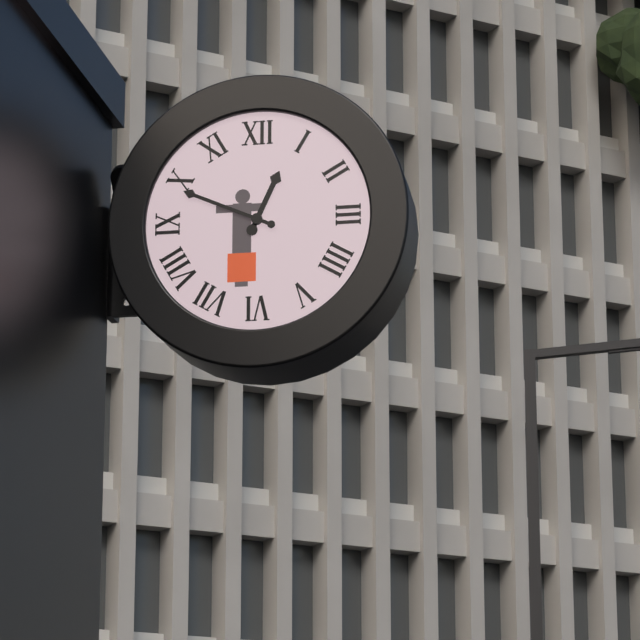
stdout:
h=12 m=49
